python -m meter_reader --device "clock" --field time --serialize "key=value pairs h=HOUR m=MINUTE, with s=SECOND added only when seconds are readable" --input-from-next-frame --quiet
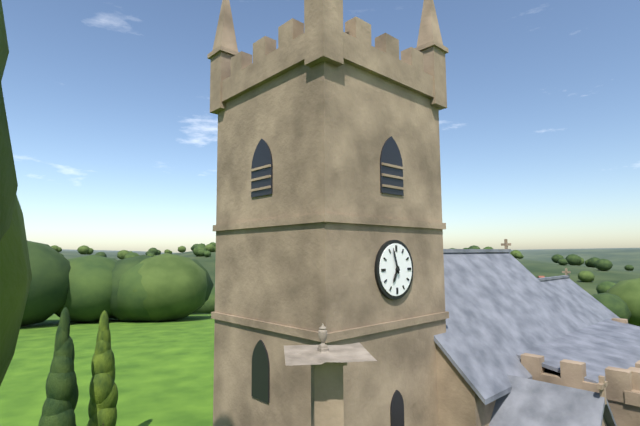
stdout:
h=6 m=57
